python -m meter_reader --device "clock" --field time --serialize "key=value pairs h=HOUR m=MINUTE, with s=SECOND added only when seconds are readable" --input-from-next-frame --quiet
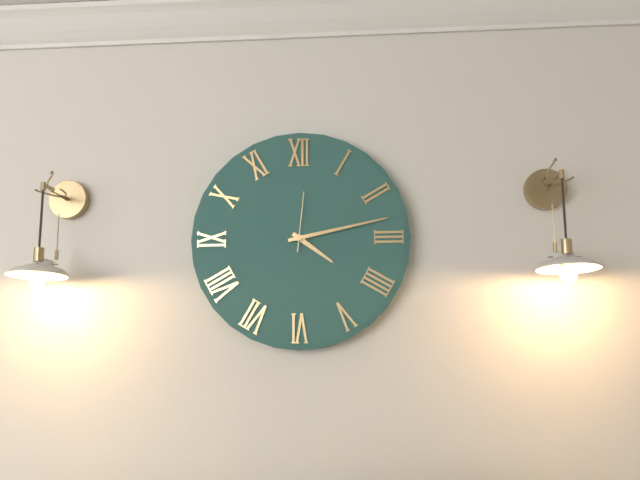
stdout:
h=4 m=13 s=1
